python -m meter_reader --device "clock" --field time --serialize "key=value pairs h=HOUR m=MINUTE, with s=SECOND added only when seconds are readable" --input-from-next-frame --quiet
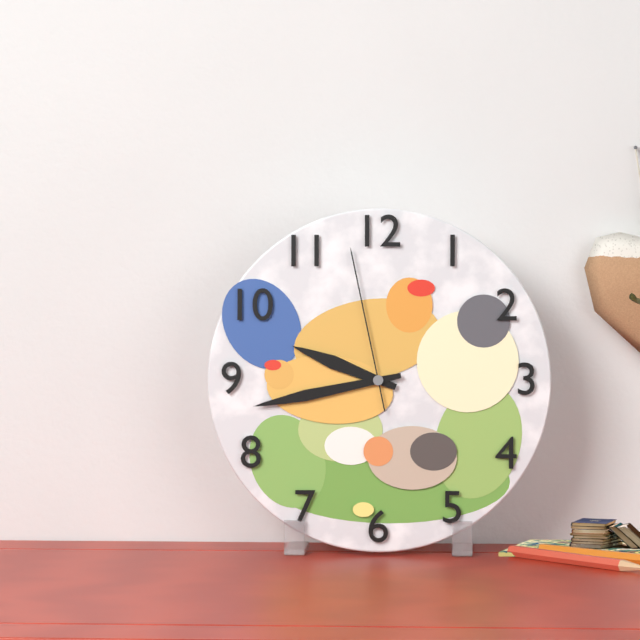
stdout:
h=9 m=43 s=58
